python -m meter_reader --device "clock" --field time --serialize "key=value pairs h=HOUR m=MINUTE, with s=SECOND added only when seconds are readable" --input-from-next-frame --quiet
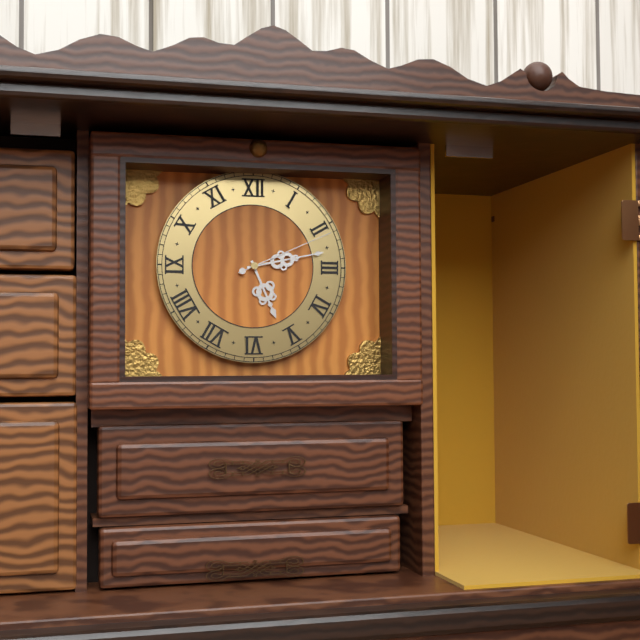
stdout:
h=5 m=13 s=11
